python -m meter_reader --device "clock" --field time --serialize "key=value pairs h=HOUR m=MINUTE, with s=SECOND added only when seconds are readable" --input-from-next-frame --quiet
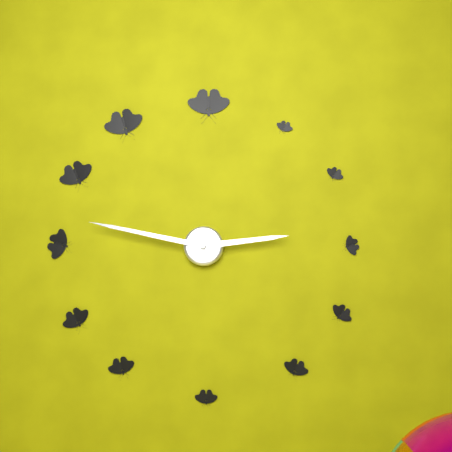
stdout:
h=2 m=47
